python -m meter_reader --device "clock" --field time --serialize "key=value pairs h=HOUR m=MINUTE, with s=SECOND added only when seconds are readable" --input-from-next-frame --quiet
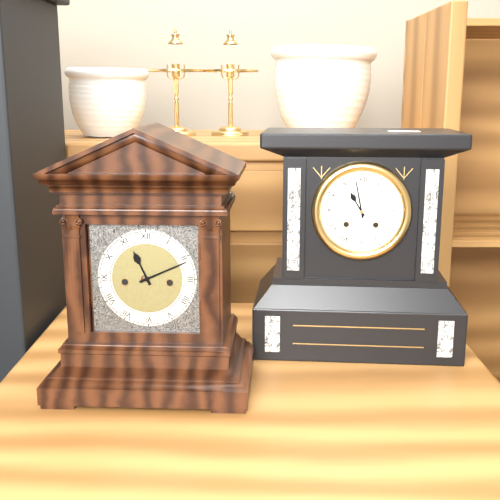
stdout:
h=11 m=11
